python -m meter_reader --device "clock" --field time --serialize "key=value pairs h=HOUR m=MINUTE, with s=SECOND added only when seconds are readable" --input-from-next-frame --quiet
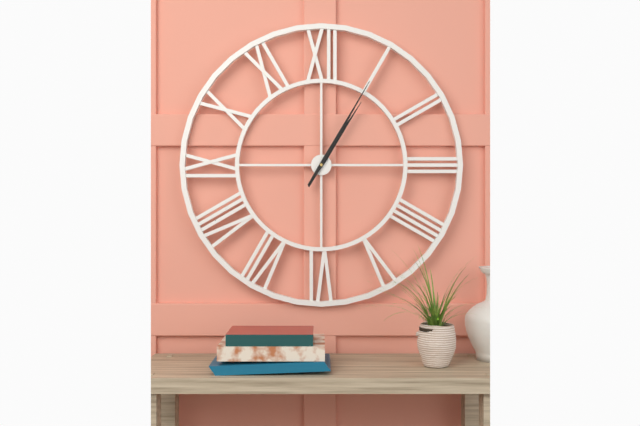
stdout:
h=1 m=5
